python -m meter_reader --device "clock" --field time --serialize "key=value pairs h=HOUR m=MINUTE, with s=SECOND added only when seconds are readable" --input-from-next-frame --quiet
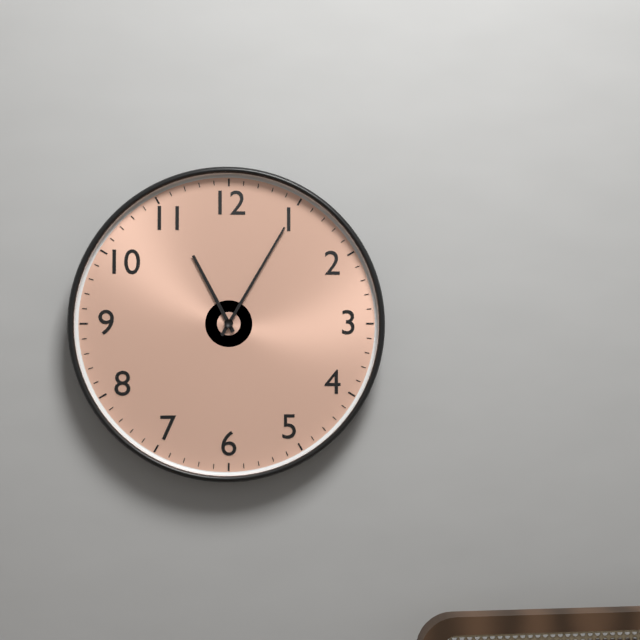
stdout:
h=11 m=5
